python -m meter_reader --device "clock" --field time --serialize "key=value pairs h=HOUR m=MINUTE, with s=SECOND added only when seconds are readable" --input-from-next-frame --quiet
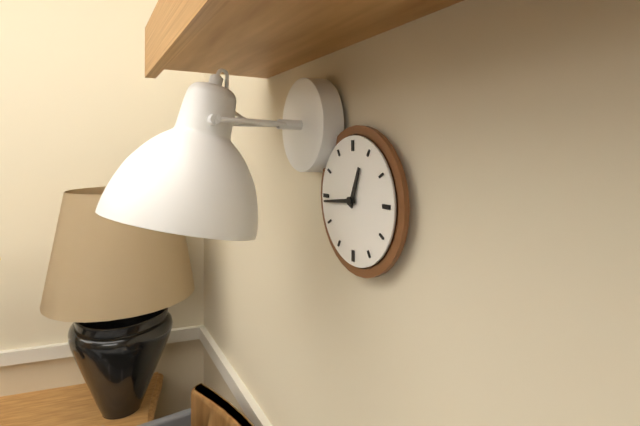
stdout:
h=12 m=44
